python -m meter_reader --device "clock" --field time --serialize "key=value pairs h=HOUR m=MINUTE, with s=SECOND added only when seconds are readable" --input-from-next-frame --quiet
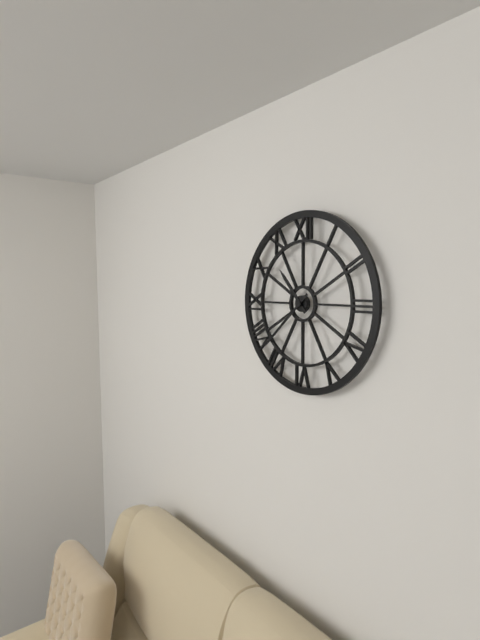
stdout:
h=10 m=38
